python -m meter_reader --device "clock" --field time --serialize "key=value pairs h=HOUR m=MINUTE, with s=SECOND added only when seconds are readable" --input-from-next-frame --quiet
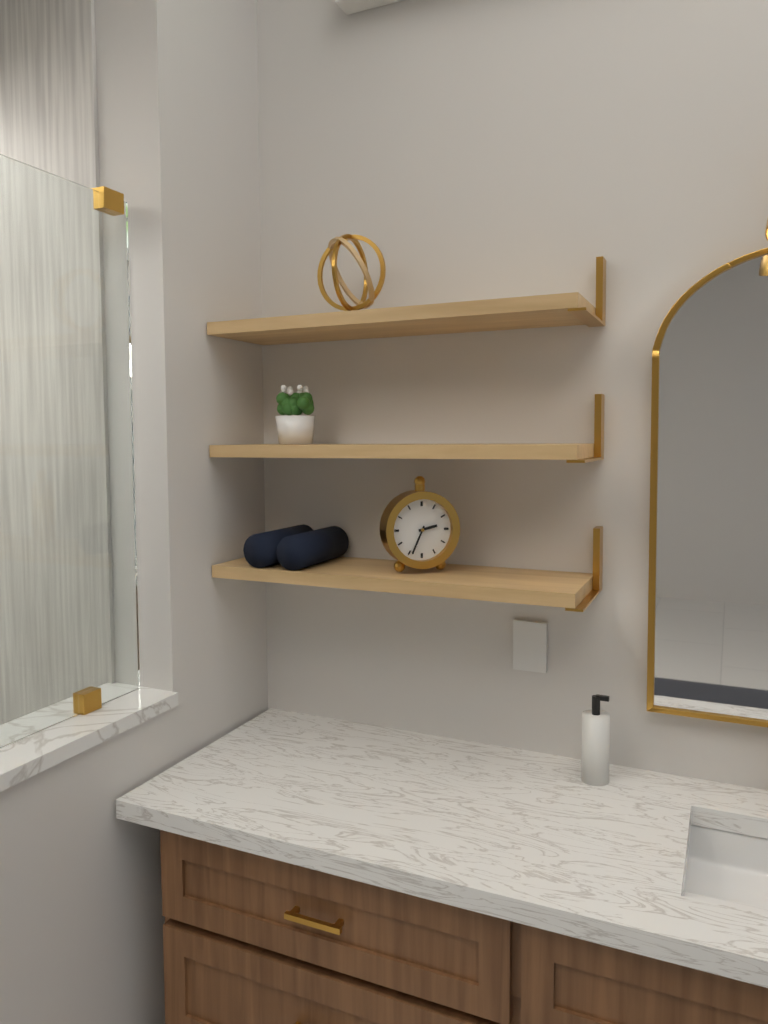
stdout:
h=2 m=34
